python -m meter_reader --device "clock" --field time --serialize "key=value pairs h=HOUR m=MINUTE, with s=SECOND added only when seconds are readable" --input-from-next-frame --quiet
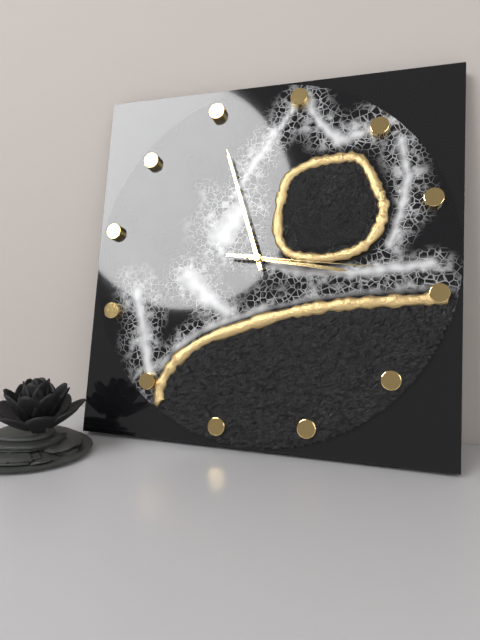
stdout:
h=2 m=55 s=14
